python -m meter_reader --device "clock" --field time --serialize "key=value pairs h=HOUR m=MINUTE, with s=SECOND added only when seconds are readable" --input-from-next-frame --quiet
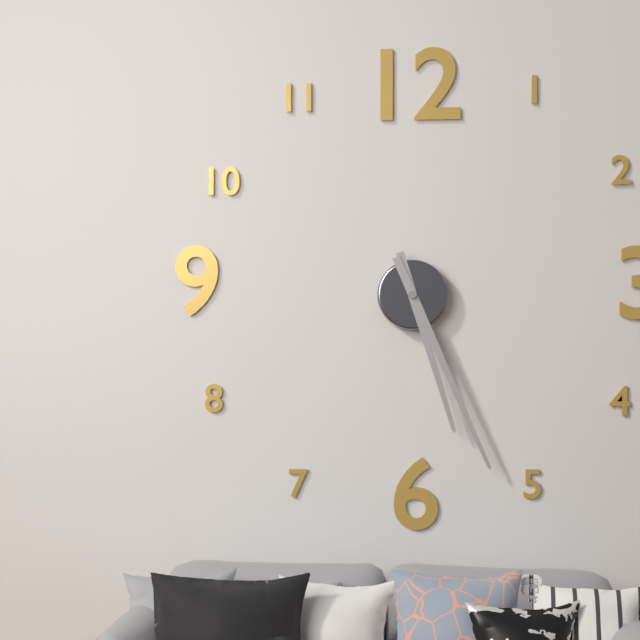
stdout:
h=5 m=26
